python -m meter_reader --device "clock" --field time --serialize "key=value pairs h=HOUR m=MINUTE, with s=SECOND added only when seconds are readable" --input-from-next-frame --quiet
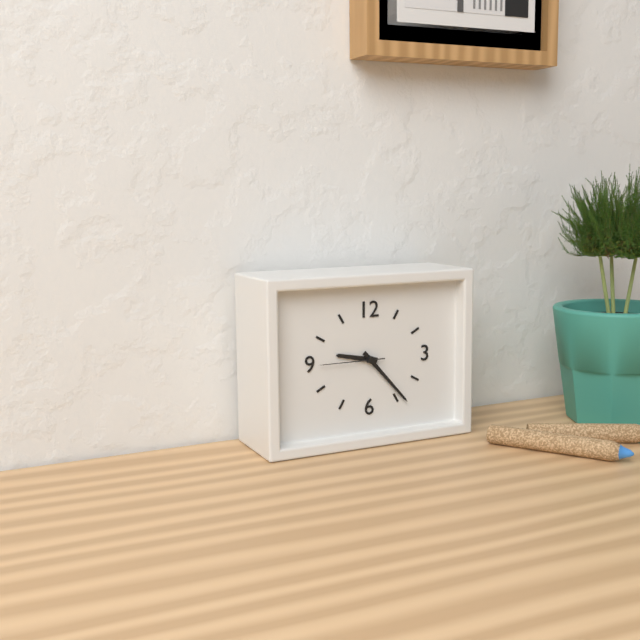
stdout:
h=9 m=23 s=45
